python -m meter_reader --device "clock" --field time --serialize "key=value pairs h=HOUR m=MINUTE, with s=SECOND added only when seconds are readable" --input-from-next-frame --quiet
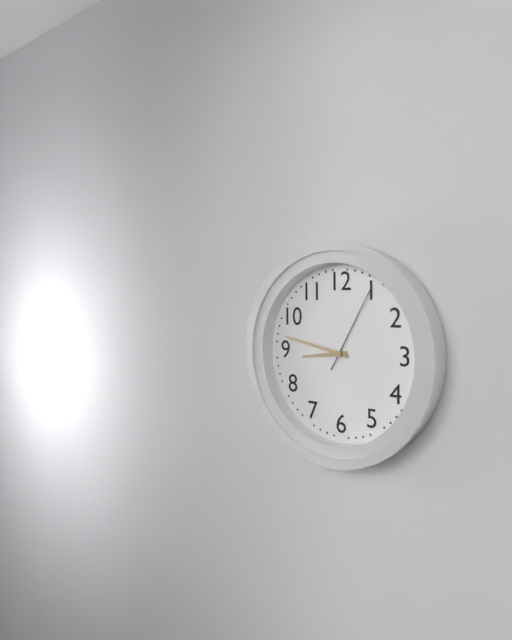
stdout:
h=8 m=47 s=5
